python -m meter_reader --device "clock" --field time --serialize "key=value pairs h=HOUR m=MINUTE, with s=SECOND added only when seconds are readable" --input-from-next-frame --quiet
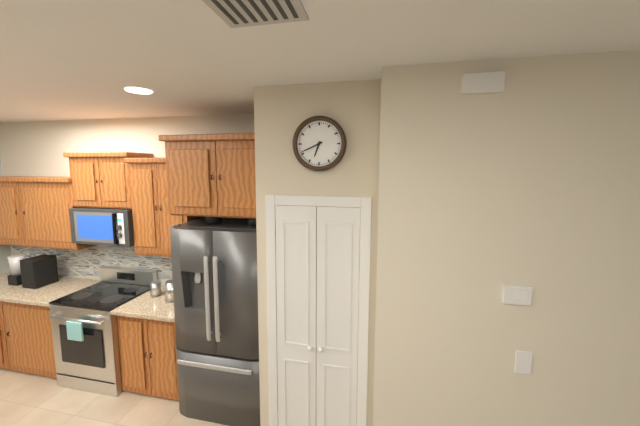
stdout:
h=6 m=41
